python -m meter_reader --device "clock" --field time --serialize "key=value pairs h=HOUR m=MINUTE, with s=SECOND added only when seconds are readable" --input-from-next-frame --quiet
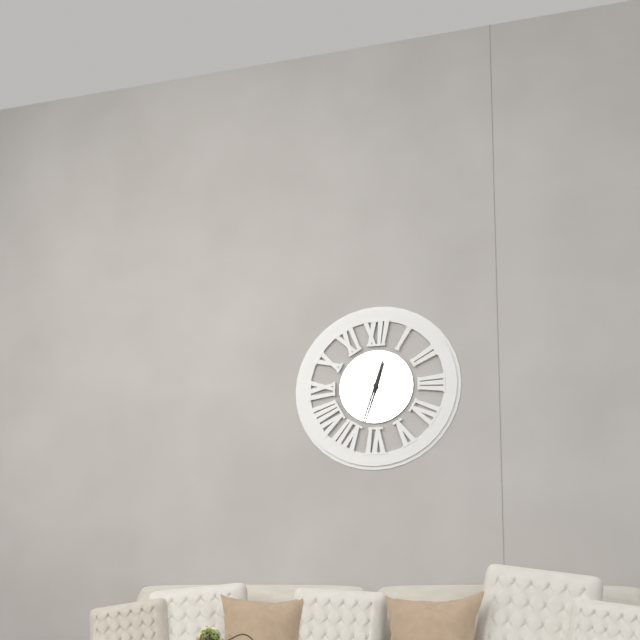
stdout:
h=12 m=33
